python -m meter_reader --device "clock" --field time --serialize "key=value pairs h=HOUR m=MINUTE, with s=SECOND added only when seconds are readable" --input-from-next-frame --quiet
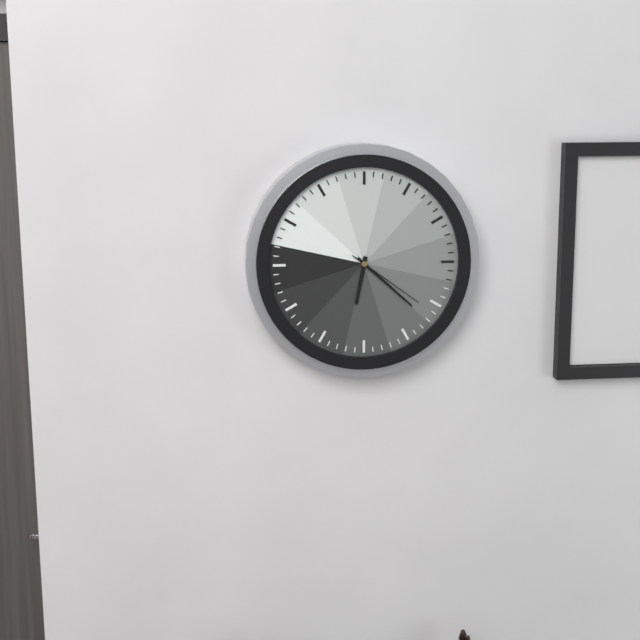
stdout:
h=6 m=22 s=21
